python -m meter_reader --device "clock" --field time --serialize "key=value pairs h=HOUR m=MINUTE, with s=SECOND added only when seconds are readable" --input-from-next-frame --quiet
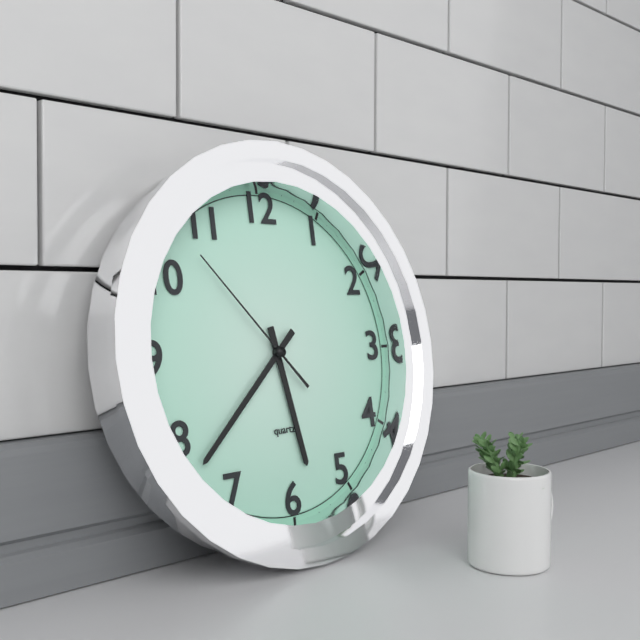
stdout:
h=5 m=38 s=53
